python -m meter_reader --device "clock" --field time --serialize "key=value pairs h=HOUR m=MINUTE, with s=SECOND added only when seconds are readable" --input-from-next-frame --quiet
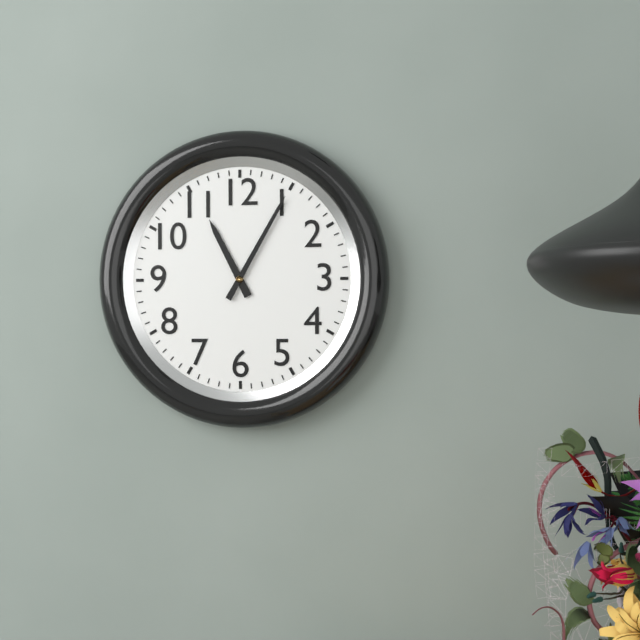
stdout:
h=11 m=5
